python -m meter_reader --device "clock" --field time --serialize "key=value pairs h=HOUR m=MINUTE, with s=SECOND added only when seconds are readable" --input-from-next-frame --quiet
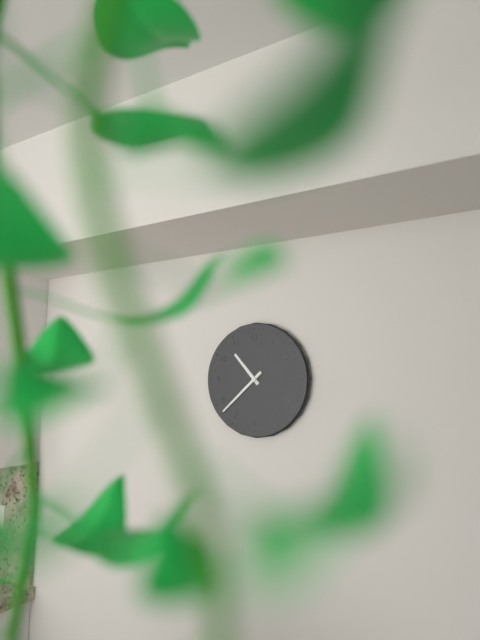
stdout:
h=10 m=38
